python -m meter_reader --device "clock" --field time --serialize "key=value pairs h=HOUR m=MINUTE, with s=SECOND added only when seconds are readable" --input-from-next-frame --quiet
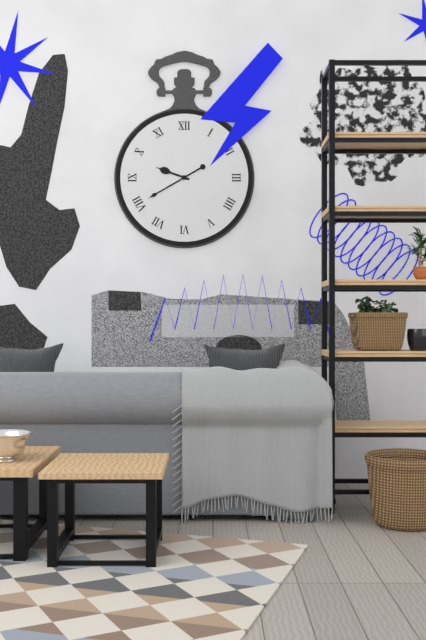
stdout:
h=9 m=40
